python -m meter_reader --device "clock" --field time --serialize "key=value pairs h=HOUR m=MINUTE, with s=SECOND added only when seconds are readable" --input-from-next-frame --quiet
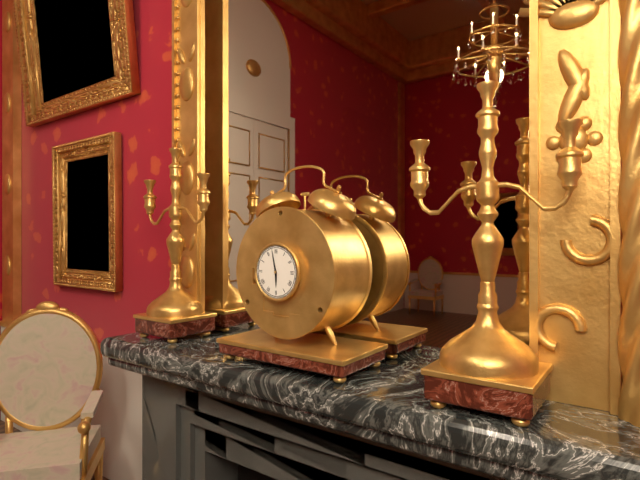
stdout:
h=5 m=58
